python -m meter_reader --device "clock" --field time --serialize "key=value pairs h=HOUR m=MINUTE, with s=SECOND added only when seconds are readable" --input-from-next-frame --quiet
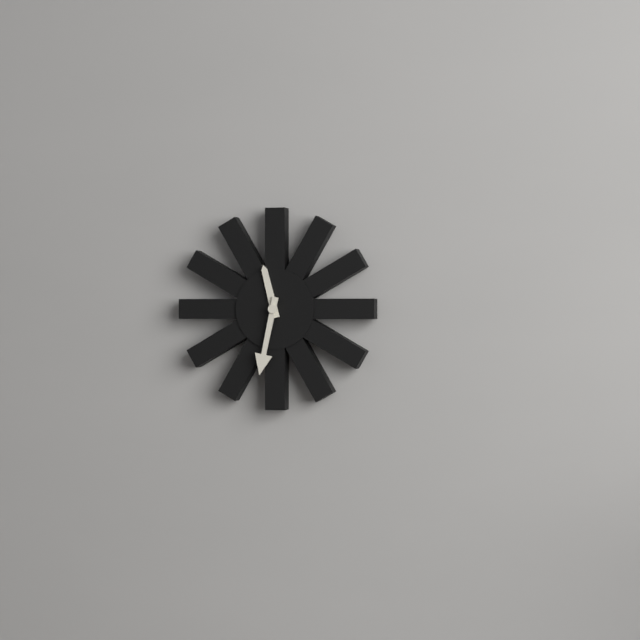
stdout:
h=11 m=32
